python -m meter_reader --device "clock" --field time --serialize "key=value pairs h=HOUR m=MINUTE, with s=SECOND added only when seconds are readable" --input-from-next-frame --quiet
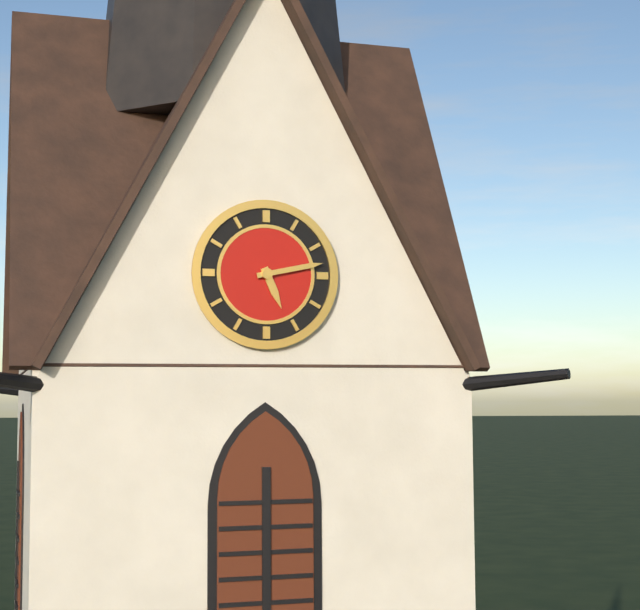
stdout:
h=5 m=13
